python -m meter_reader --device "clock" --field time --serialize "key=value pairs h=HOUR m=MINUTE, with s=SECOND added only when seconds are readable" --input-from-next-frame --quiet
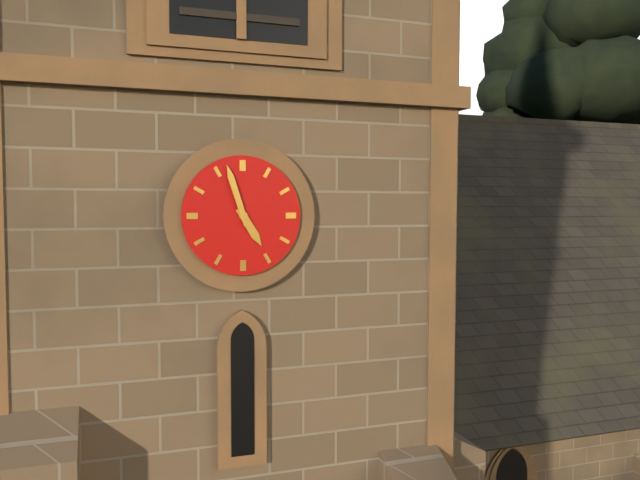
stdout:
h=4 m=57
